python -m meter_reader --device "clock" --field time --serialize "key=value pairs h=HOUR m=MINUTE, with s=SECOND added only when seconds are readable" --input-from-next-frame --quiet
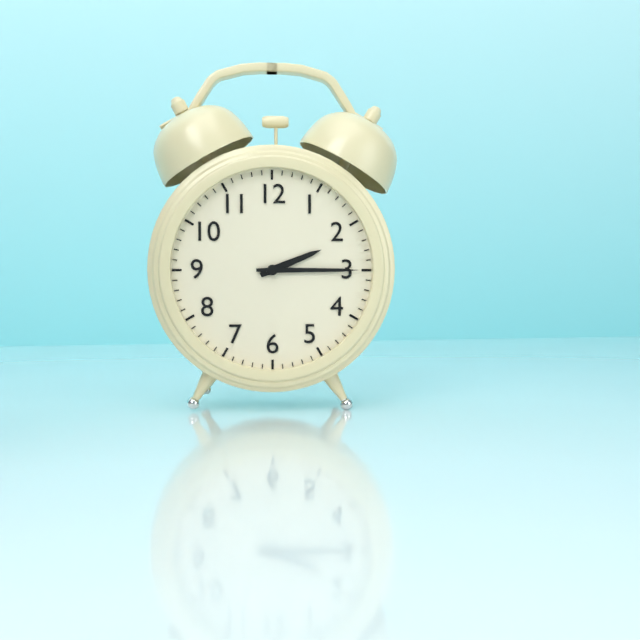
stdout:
h=2 m=15
